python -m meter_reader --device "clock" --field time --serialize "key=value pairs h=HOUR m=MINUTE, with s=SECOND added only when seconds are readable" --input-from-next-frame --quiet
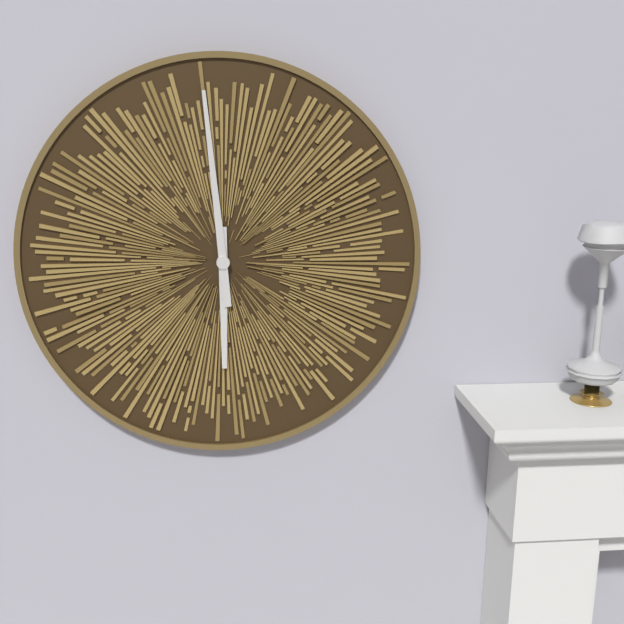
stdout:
h=5 m=59
